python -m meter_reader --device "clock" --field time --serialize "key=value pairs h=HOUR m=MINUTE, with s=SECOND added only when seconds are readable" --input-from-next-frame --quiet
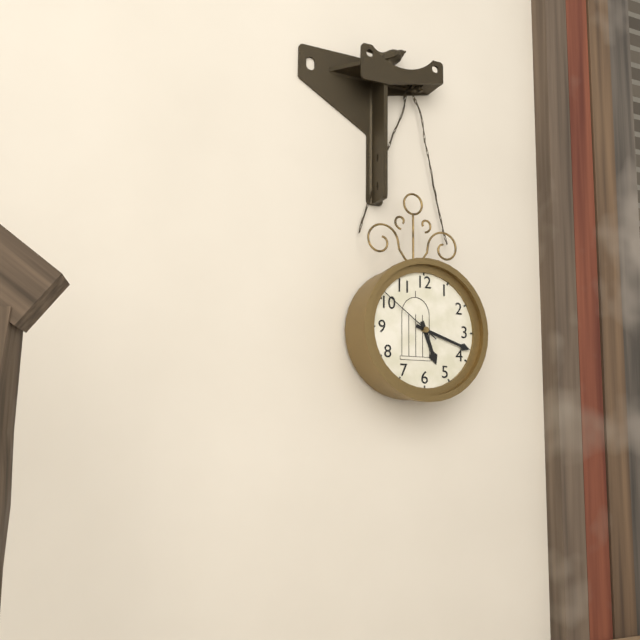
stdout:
h=5 m=18 s=51
